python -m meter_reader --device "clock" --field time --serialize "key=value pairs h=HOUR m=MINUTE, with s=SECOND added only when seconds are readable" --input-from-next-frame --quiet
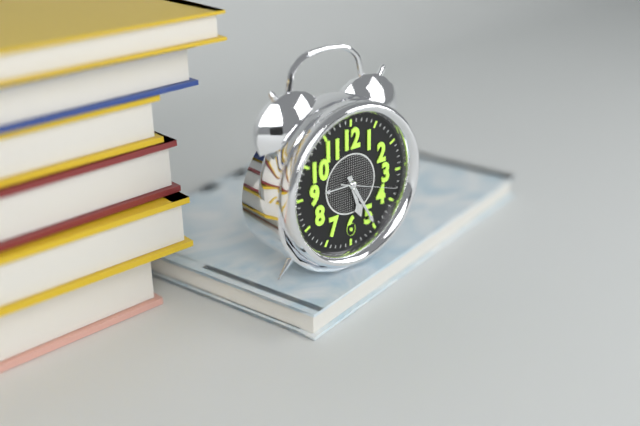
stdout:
h=5 m=25 s=18
